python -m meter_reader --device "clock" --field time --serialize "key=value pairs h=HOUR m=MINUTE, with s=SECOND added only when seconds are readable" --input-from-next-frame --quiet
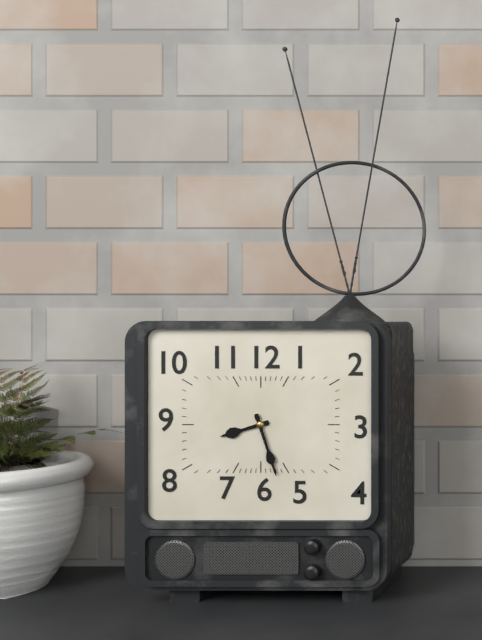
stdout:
h=8 m=27
